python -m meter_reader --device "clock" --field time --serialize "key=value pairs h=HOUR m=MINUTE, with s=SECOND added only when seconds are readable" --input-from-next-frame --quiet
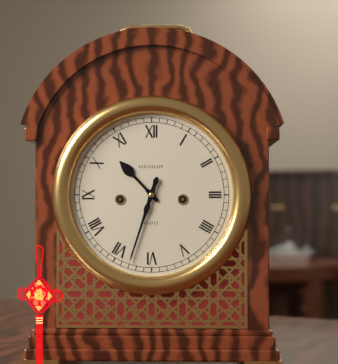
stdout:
h=10 m=33
